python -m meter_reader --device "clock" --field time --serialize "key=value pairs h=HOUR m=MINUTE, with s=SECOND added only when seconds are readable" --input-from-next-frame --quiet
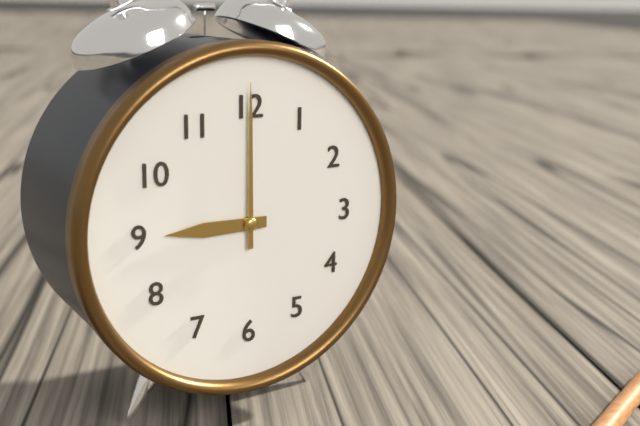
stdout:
h=9 m=0
